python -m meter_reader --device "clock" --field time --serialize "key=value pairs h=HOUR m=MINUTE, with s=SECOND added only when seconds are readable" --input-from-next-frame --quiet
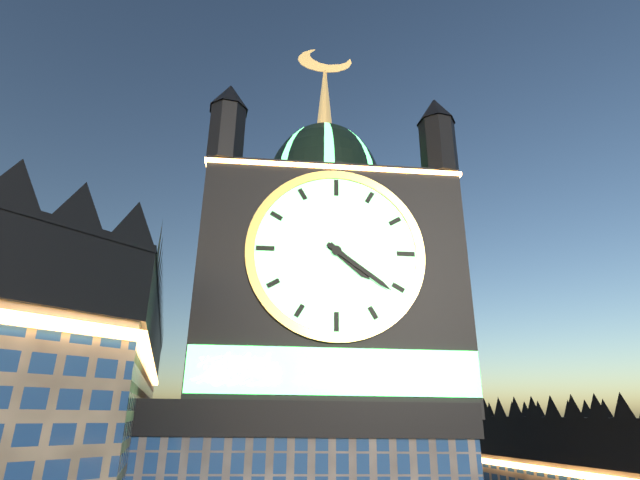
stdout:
h=4 m=21
